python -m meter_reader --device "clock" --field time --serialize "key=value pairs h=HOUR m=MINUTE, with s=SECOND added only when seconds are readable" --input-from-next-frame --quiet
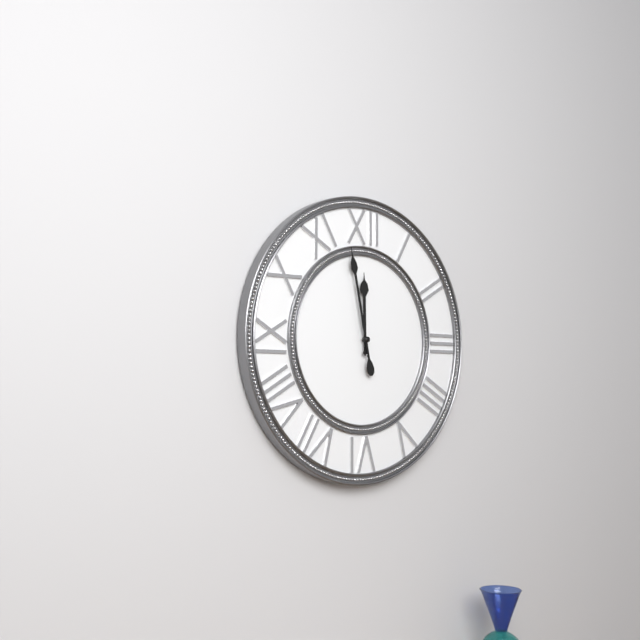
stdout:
h=11 m=58
